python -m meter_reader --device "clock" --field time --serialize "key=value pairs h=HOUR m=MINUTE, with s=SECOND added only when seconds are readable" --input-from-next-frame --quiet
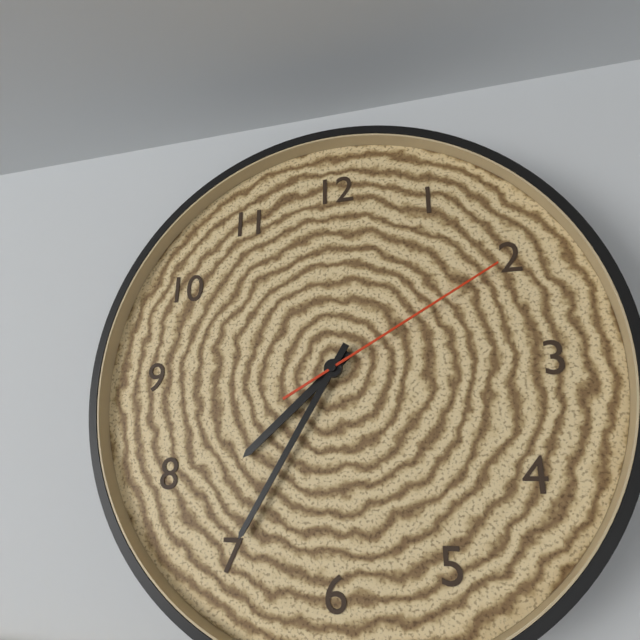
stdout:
h=7 m=35 s=10
